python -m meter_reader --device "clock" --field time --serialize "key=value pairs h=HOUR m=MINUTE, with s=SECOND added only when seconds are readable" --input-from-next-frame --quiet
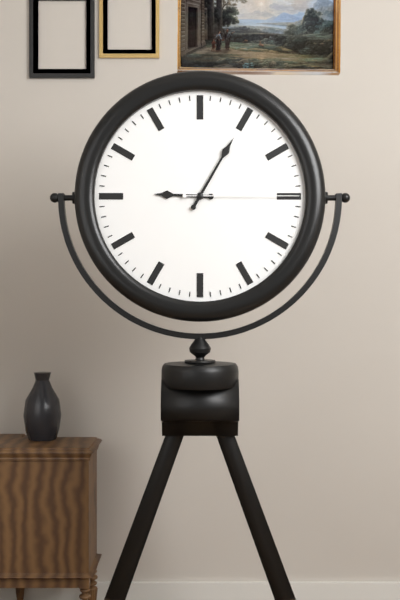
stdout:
h=9 m=5 s=15
